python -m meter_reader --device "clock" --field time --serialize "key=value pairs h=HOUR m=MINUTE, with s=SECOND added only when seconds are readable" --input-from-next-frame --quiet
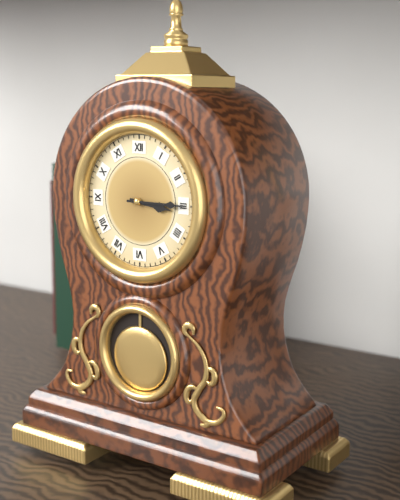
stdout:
h=3 m=15
